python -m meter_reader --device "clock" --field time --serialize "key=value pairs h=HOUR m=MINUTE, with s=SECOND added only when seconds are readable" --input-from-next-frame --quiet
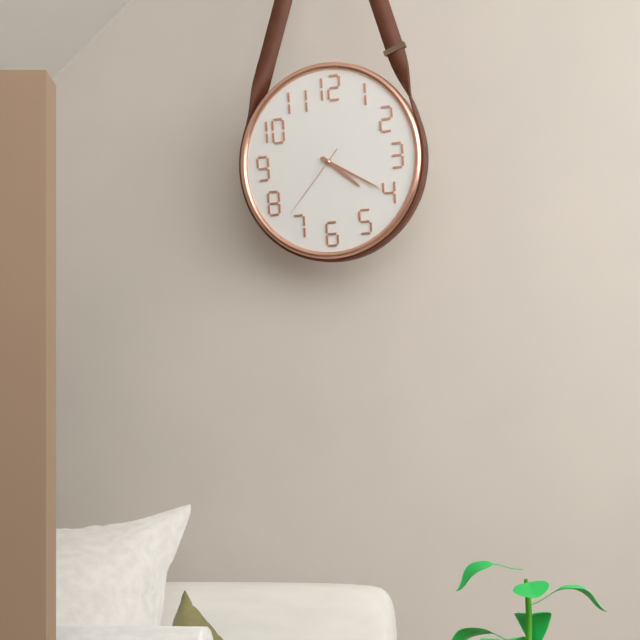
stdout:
h=4 m=20 s=37
